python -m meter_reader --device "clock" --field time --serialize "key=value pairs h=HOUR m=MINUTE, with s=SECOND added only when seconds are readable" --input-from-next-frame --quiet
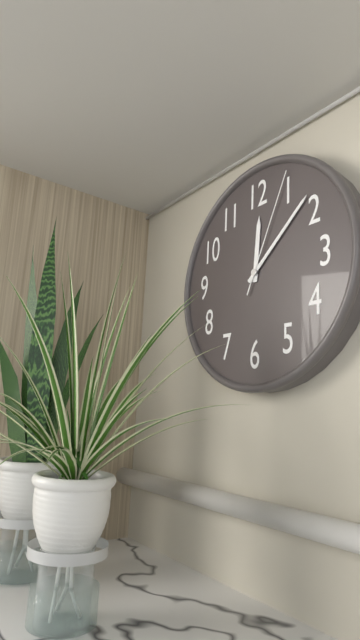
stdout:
h=12 m=8 s=4
